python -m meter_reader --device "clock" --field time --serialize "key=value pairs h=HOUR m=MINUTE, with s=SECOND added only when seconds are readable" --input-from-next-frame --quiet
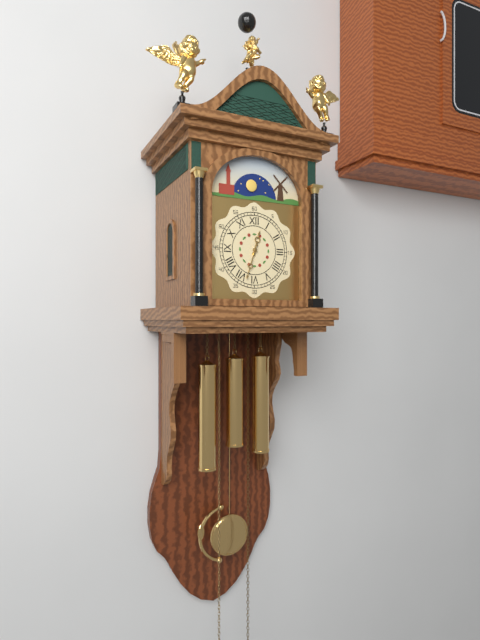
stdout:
h=12 m=33
